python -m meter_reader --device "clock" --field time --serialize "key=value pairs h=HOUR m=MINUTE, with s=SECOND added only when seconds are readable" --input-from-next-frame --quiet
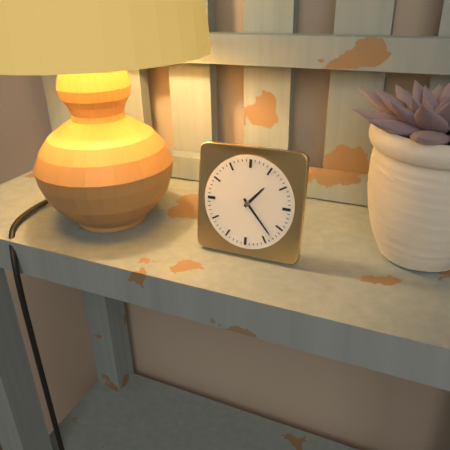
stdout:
h=1 m=23
